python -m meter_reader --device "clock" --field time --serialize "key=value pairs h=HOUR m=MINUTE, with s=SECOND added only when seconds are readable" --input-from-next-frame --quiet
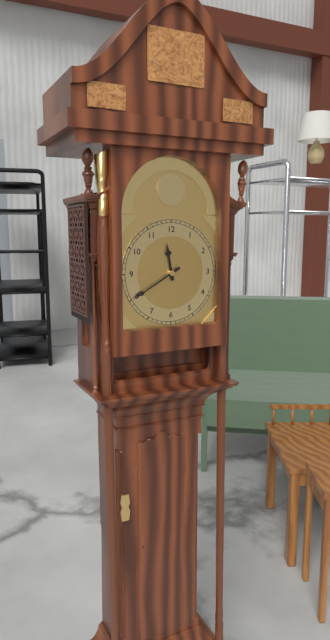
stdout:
h=11 m=40
